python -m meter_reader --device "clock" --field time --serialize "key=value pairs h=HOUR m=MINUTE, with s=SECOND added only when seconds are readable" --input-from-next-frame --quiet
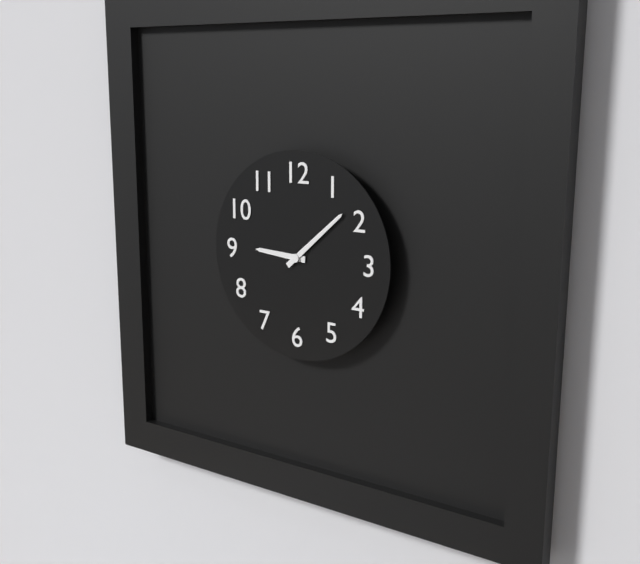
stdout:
h=9 m=8
